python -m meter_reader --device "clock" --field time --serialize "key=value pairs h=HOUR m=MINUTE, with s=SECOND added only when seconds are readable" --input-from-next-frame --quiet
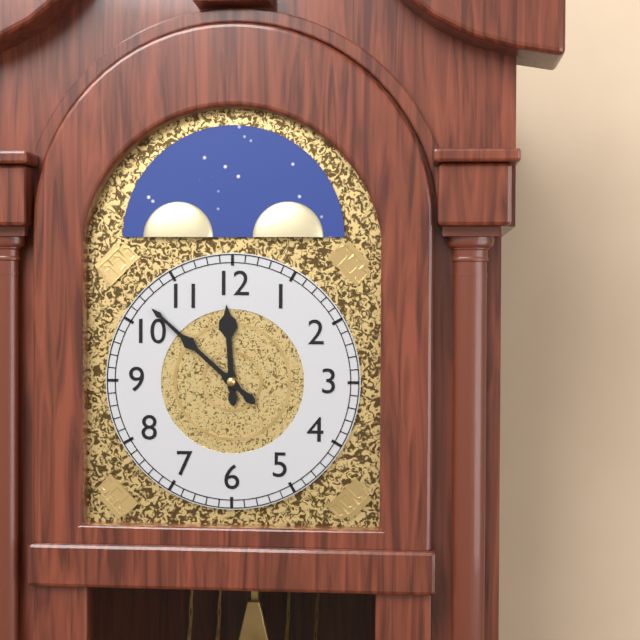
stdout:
h=11 m=52
